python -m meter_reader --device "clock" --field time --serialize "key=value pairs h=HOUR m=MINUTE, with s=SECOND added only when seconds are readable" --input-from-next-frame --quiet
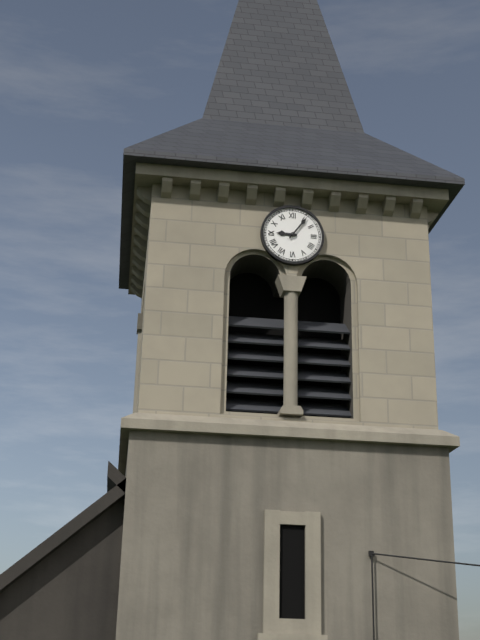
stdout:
h=9 m=6
